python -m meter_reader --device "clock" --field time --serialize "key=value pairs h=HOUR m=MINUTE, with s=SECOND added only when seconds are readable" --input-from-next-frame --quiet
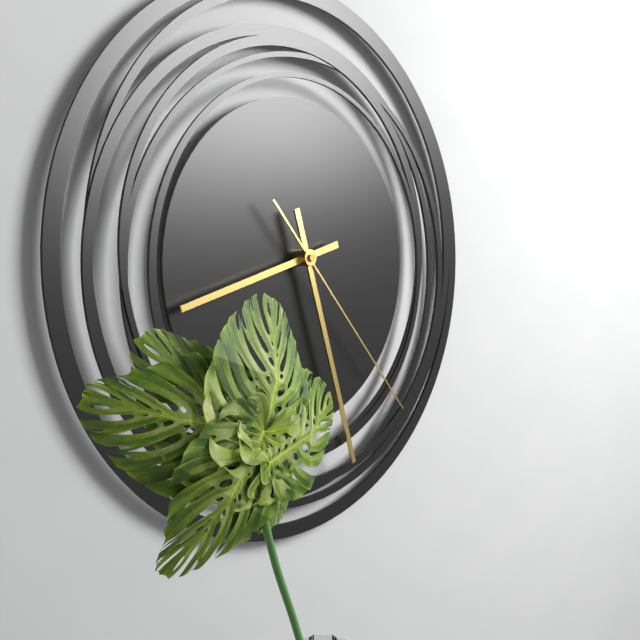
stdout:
h=8 m=27 s=23
